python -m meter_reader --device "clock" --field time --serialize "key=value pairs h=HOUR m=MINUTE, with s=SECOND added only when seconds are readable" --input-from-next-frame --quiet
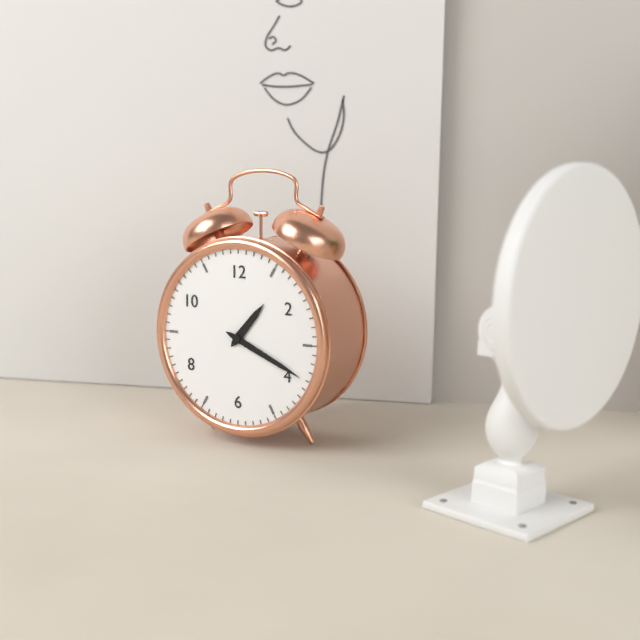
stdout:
h=1 m=19
